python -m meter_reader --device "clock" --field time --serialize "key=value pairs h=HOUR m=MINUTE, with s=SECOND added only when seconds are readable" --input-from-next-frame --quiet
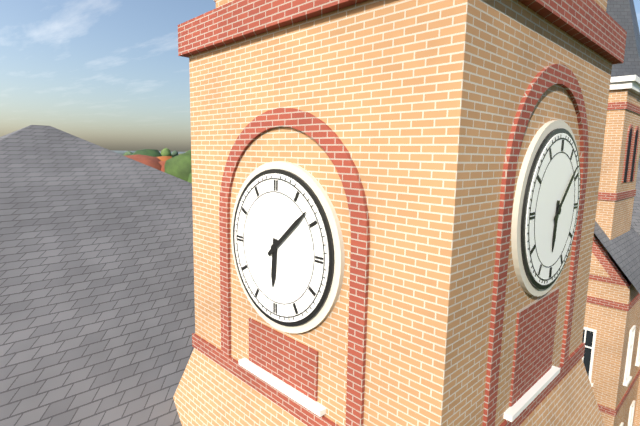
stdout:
h=6 m=8
